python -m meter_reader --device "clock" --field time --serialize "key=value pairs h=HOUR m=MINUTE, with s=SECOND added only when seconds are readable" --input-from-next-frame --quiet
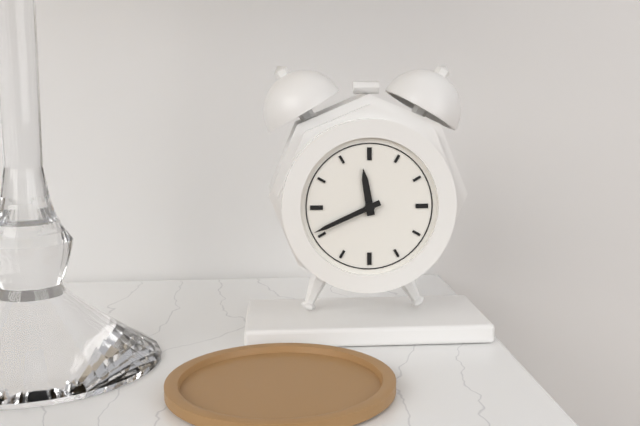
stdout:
h=11 m=41
